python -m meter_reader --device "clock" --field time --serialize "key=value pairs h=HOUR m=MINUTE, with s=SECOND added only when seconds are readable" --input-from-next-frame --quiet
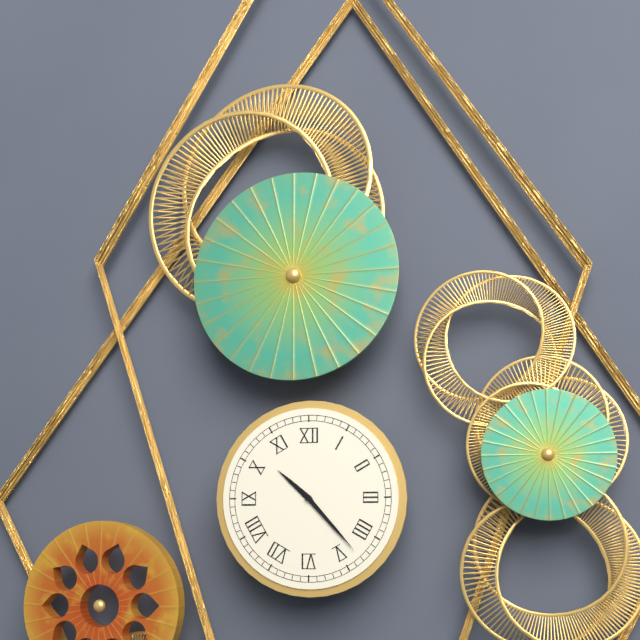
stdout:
h=10 m=23
